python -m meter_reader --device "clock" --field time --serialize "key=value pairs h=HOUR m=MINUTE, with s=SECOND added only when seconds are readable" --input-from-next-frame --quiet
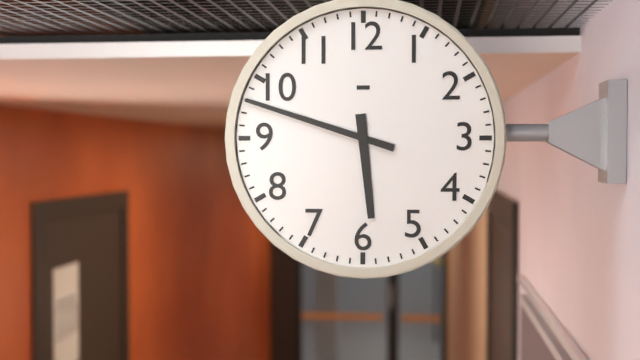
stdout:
h=5 m=48
